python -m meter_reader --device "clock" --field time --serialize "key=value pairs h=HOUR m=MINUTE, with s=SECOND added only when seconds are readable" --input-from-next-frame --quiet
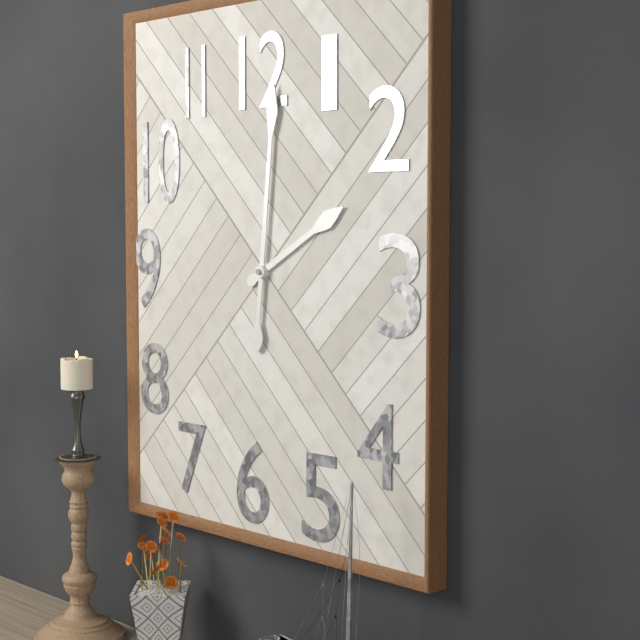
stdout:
h=2 m=1
